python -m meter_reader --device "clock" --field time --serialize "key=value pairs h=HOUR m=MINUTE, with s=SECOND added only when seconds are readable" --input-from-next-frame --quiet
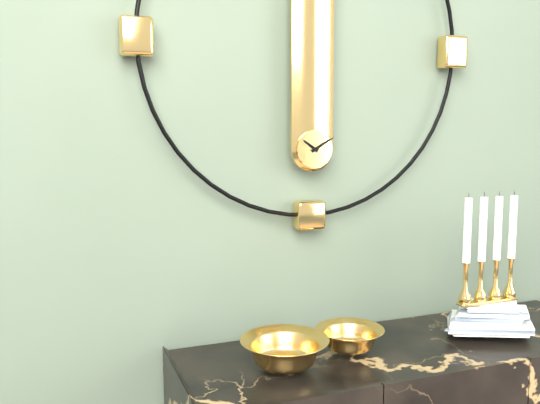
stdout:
h=10 m=10
